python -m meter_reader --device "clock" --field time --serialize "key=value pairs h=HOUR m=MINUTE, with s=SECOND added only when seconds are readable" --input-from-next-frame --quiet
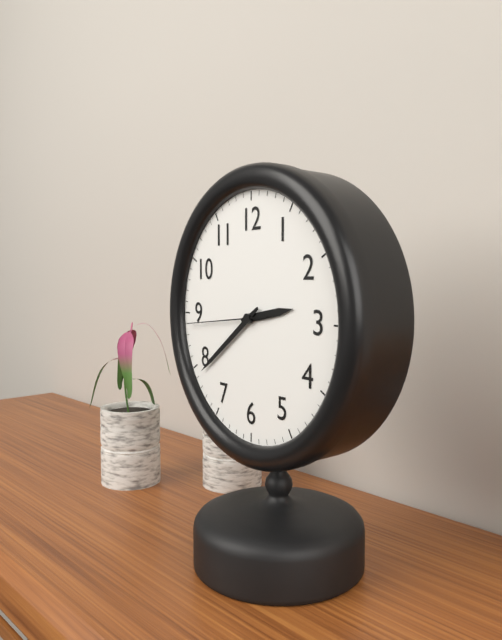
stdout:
h=2 m=39 s=44
